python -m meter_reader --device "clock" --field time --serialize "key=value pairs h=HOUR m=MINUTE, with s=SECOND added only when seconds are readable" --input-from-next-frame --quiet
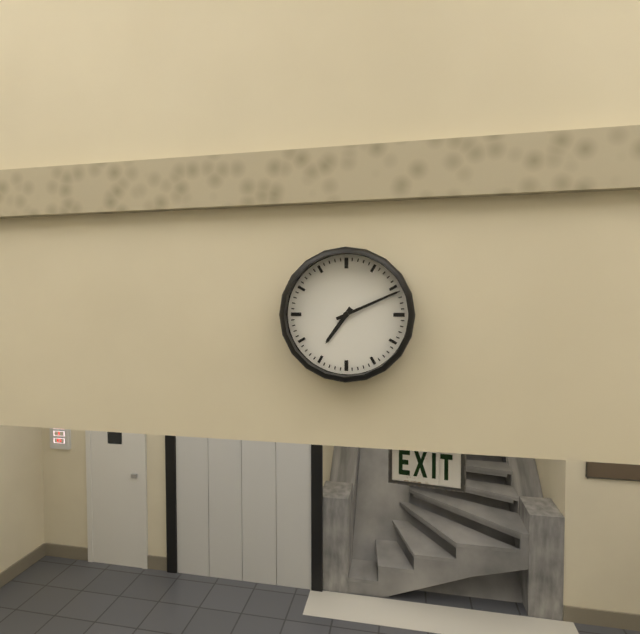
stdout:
h=7 m=11
